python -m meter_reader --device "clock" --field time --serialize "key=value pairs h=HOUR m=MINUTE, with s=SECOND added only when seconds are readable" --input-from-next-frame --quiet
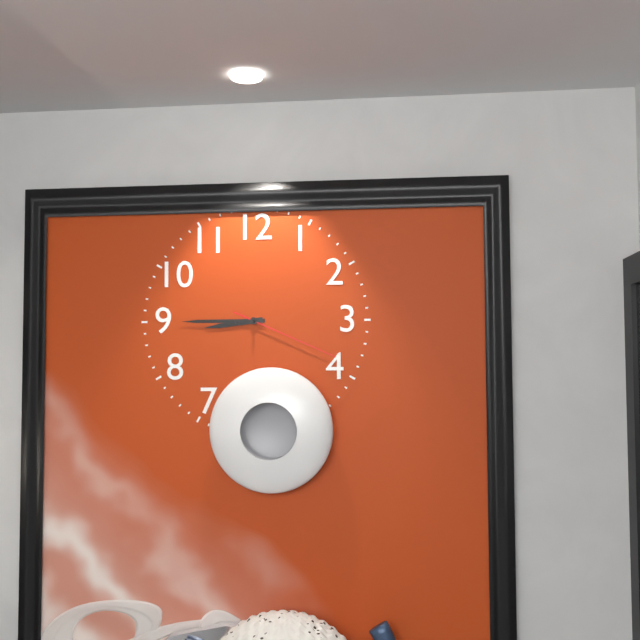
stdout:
h=8 m=45 s=19
